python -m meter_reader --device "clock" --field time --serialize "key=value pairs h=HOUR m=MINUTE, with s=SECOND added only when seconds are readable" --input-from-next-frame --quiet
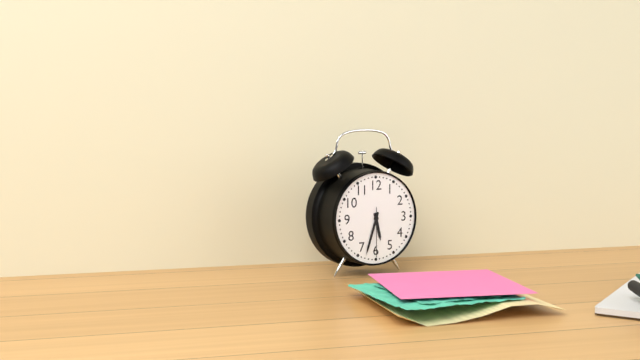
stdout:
h=5 m=33 s=30
